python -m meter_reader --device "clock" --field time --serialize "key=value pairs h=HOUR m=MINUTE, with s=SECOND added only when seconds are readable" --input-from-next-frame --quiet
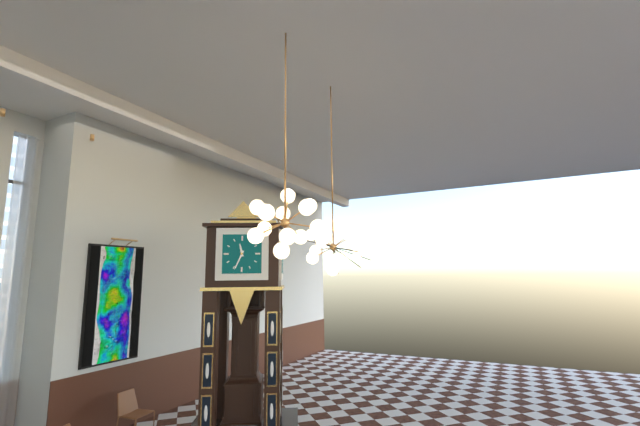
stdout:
h=11 m=34
